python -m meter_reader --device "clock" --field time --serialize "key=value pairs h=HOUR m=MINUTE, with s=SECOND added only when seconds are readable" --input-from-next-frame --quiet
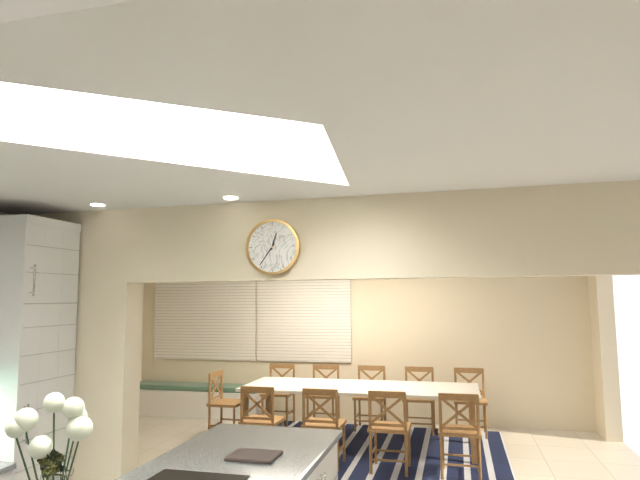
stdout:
h=12 m=36
